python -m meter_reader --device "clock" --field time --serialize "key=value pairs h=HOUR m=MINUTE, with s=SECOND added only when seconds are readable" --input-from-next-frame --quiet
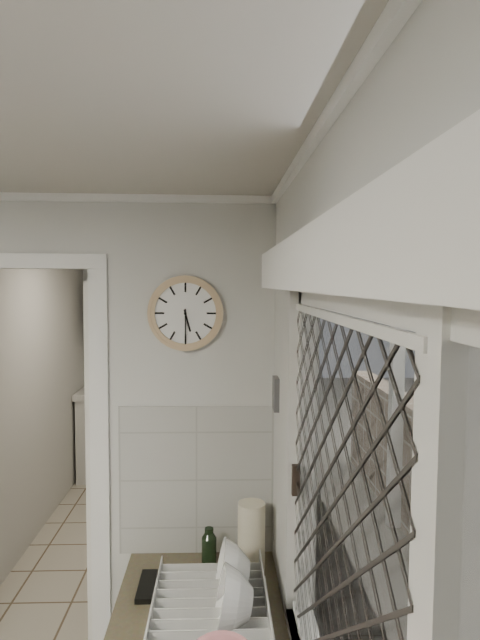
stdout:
h=5 m=30
